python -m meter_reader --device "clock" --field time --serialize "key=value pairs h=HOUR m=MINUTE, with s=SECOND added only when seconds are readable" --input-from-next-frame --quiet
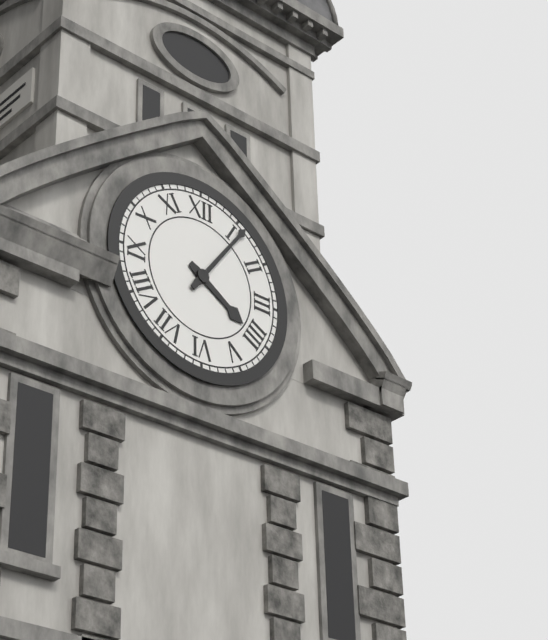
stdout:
h=4 m=6
